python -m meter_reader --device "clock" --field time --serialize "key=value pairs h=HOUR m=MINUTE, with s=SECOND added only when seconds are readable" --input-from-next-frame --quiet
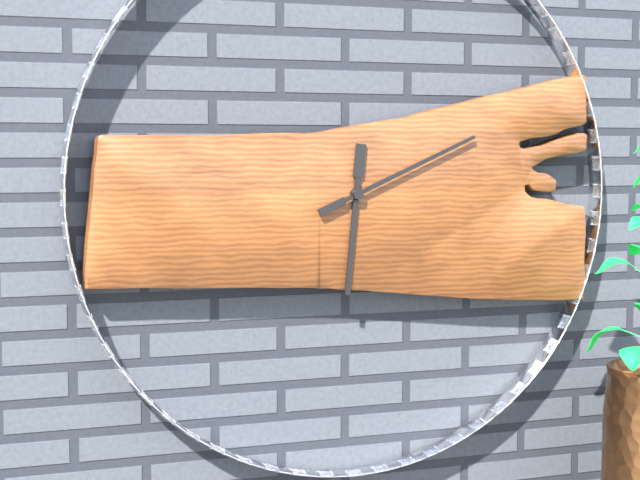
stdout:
h=6 m=11
